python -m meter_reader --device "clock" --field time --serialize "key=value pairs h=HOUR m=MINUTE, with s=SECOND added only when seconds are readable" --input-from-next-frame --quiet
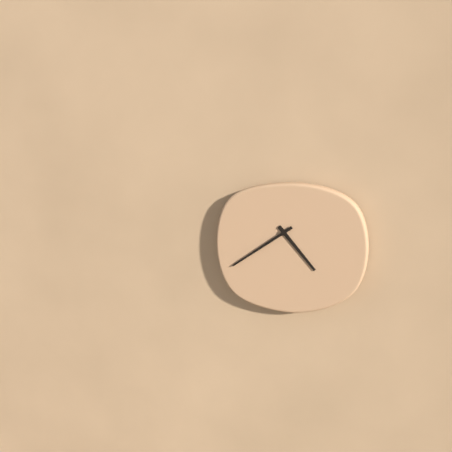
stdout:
h=4 m=39
